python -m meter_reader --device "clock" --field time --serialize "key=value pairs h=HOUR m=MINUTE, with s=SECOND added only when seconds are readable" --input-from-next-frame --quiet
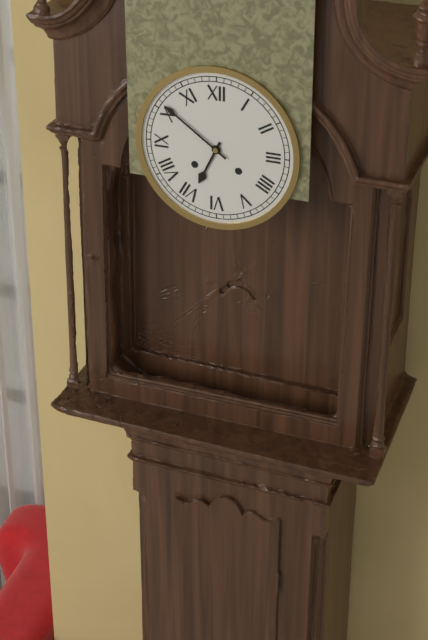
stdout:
h=6 m=51
